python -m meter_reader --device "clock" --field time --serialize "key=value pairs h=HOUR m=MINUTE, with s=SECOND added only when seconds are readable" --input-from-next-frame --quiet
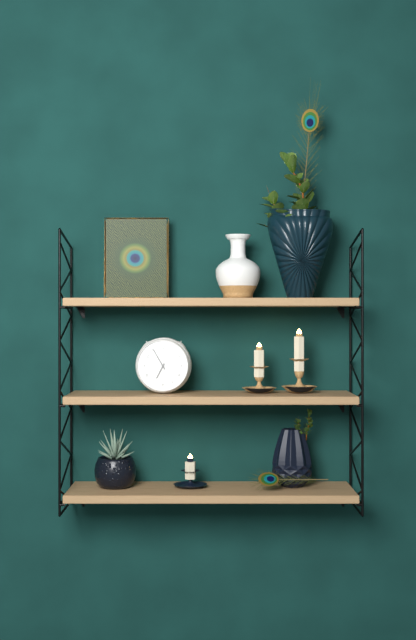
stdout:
h=6 m=55
